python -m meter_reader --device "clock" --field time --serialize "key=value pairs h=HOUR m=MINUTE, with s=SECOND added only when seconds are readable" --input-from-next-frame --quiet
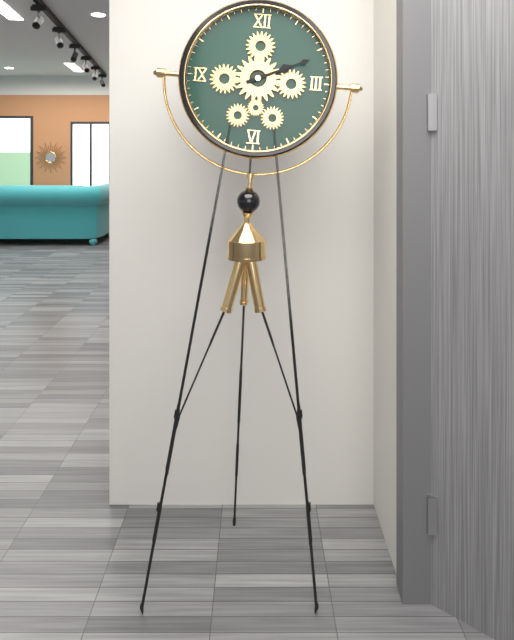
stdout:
h=2 m=11
